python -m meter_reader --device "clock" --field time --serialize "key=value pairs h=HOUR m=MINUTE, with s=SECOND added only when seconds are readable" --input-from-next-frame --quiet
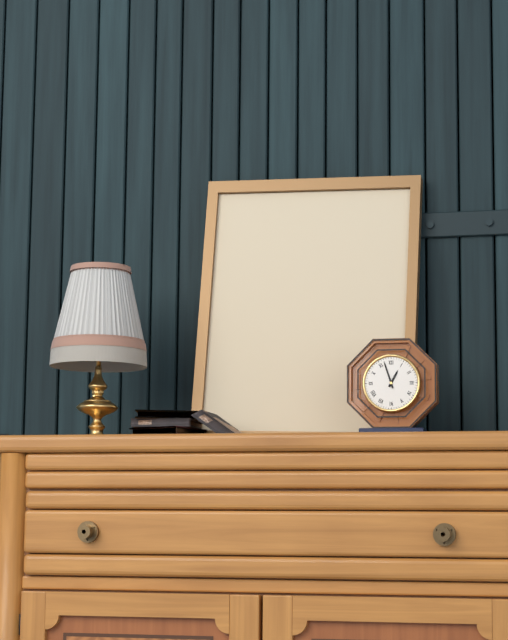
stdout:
h=12 m=57
